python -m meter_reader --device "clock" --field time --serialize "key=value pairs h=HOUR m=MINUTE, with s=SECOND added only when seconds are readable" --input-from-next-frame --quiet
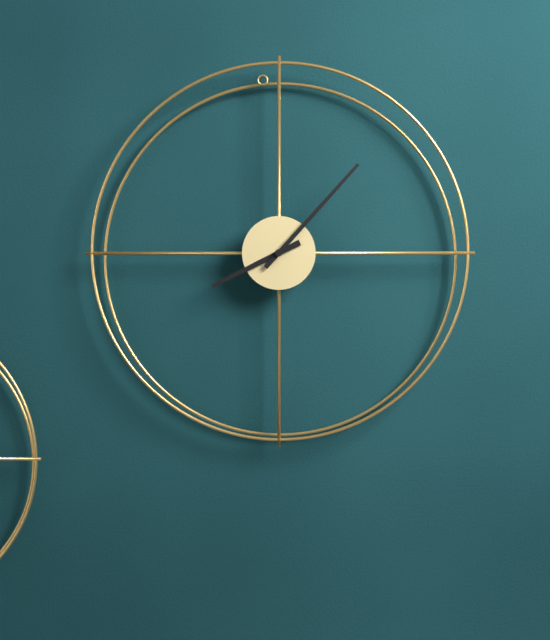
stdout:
h=8 m=7
